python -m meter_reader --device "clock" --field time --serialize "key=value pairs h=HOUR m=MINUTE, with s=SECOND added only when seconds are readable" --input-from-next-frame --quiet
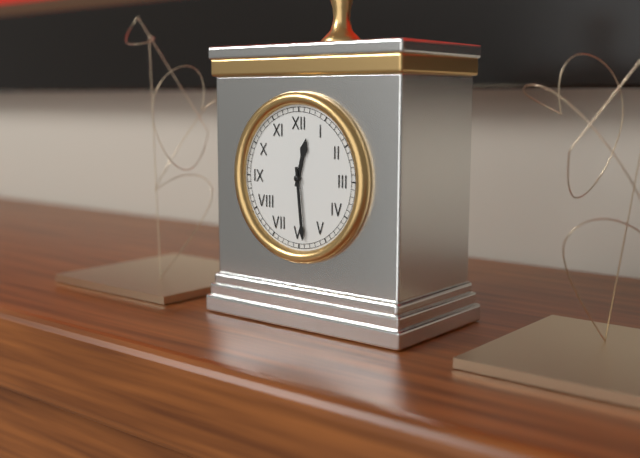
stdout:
h=12 m=29
